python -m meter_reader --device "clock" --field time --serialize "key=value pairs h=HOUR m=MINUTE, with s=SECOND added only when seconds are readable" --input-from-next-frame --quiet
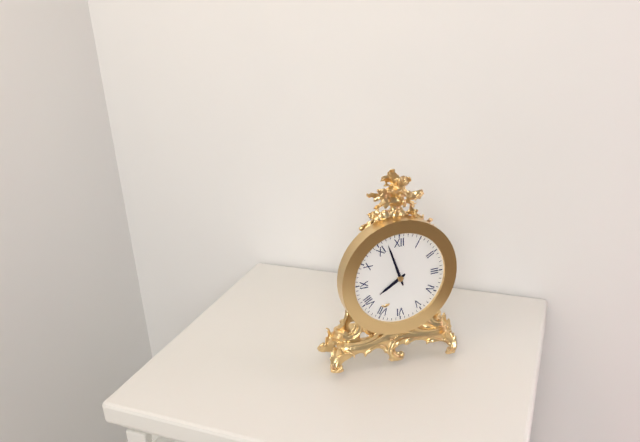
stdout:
h=7 m=57
